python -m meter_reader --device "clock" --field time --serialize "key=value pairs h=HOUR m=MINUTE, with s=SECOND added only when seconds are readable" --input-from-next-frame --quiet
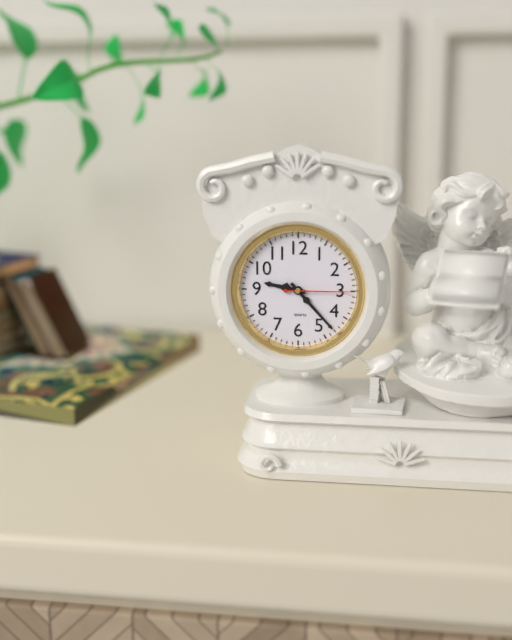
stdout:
h=9 m=23 s=15
